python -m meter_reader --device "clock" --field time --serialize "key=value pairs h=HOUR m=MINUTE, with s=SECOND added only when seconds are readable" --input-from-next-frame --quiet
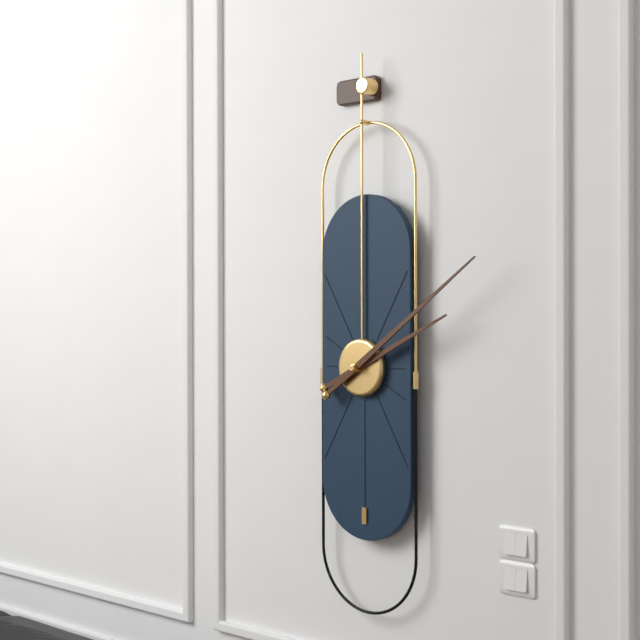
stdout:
h=2 m=9
